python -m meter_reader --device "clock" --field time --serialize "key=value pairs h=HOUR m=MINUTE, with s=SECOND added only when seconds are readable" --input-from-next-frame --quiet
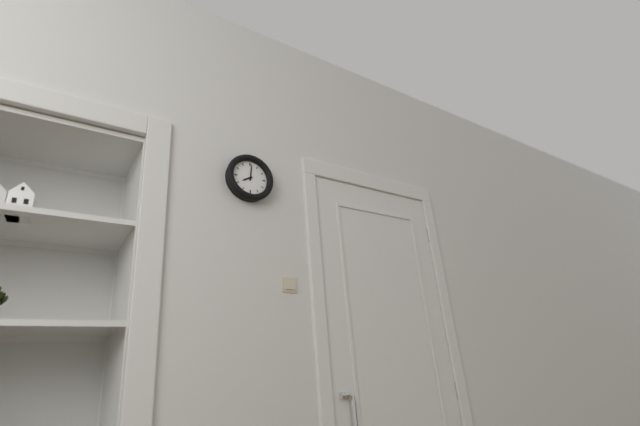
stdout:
h=8 m=1
